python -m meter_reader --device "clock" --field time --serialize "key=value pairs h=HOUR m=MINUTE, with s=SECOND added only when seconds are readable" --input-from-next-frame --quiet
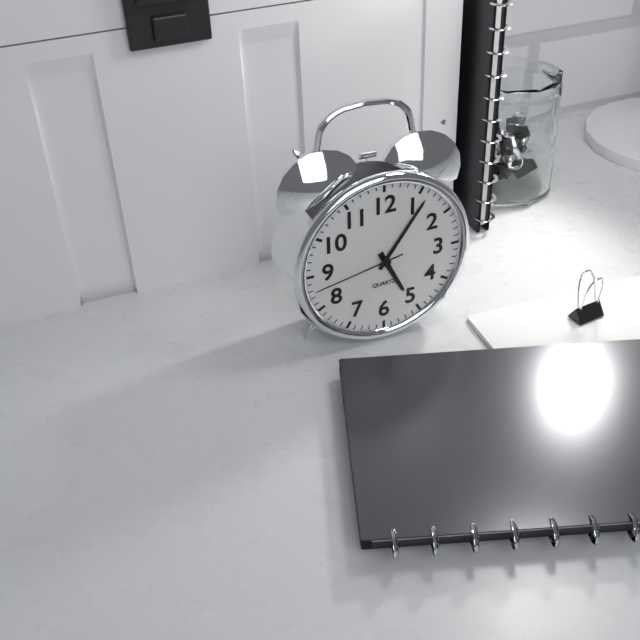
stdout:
h=5 m=6 s=43
